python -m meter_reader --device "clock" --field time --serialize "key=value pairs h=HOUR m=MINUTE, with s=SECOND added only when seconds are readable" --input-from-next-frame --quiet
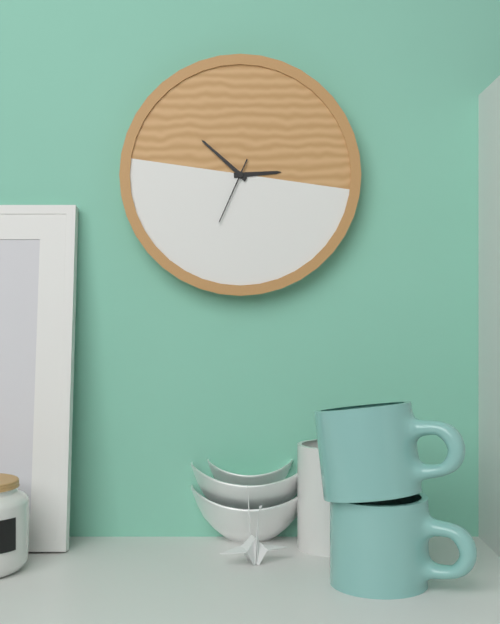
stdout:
h=2 m=52 s=34
